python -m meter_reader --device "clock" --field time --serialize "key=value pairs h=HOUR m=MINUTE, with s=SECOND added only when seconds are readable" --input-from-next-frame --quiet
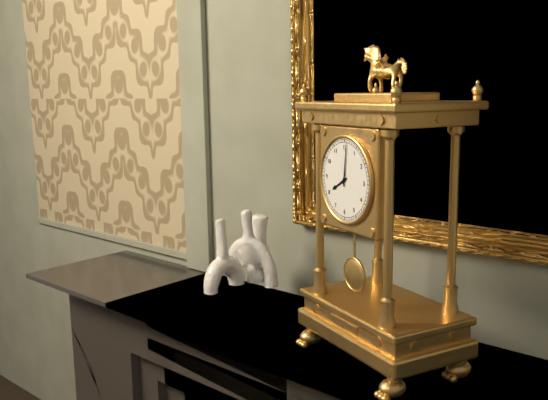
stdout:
h=8 m=1
